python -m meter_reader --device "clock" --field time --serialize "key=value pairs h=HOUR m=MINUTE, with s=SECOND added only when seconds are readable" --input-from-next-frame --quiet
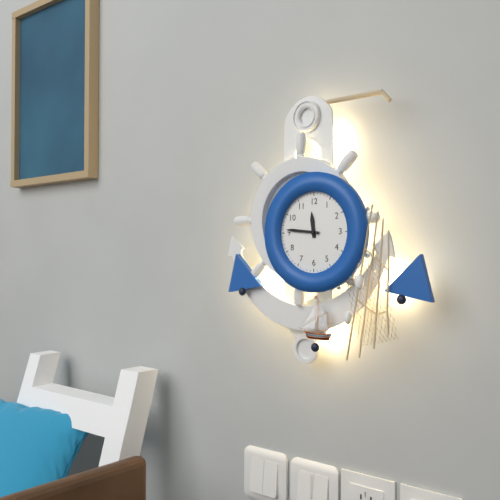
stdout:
h=11 m=46
